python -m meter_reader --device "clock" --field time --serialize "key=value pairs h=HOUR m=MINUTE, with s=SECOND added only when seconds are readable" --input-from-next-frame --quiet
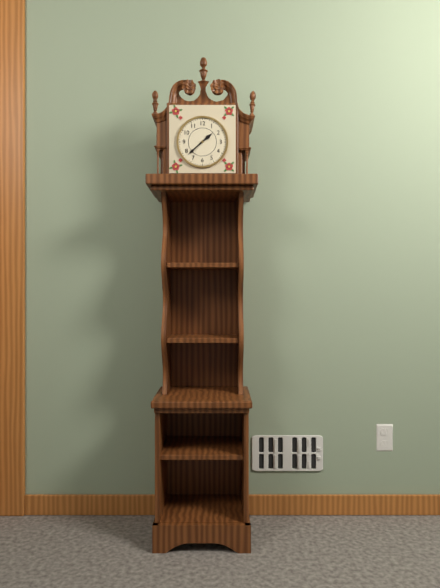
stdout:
h=1 m=38
